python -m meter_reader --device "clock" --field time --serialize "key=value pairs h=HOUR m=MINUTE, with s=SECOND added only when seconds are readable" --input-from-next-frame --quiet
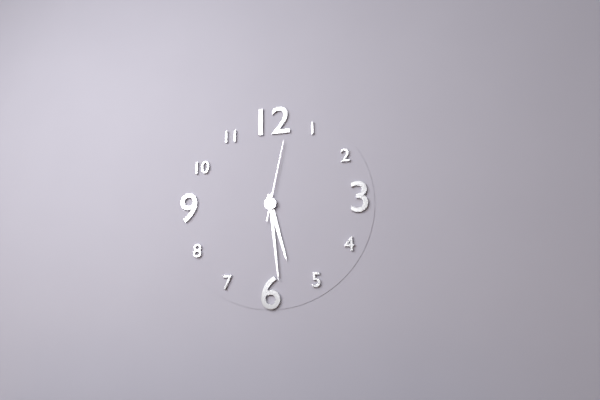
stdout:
h=5 m=29 s=2
